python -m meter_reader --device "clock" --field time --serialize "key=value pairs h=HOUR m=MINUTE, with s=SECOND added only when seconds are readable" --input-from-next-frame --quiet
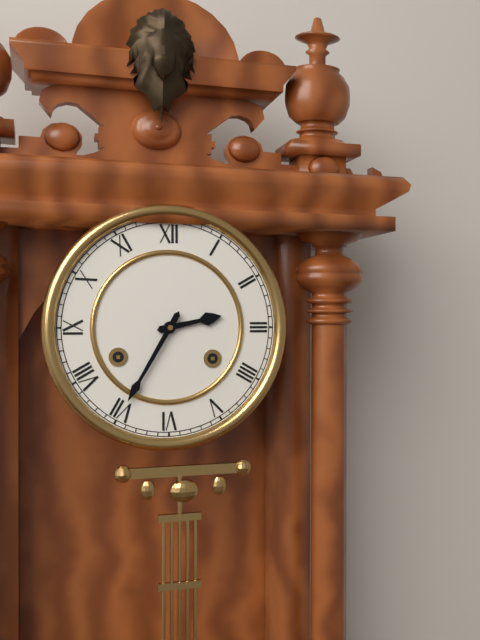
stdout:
h=2 m=35
